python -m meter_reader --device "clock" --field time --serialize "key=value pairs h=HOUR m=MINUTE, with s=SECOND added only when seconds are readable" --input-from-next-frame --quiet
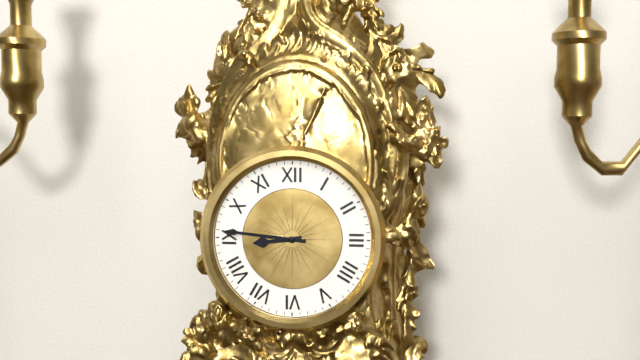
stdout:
h=8 m=46
